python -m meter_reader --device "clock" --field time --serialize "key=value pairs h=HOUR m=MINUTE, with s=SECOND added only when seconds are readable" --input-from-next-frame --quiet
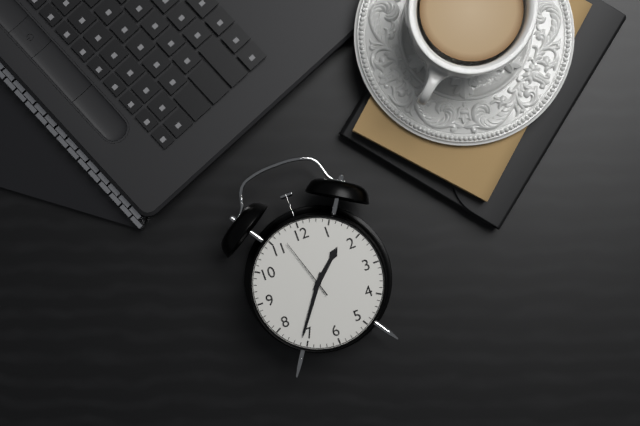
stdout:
h=1 m=36 s=57
